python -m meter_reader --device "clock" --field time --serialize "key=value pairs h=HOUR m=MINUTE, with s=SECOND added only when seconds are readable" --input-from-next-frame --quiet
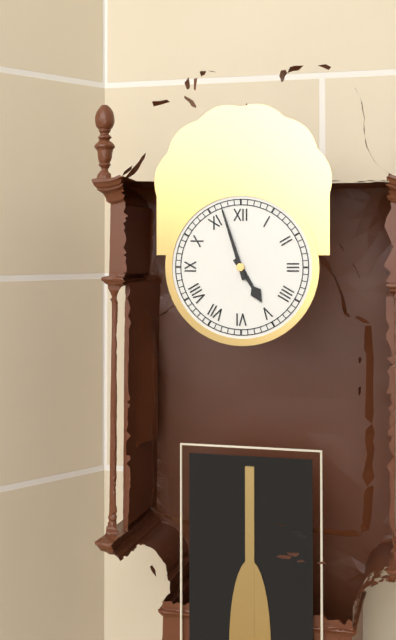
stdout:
h=4 m=57
